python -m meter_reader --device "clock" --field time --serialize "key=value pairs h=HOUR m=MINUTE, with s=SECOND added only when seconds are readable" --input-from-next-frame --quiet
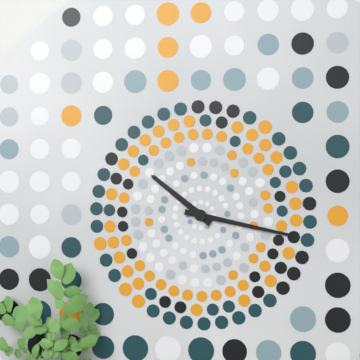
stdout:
h=10 m=17
